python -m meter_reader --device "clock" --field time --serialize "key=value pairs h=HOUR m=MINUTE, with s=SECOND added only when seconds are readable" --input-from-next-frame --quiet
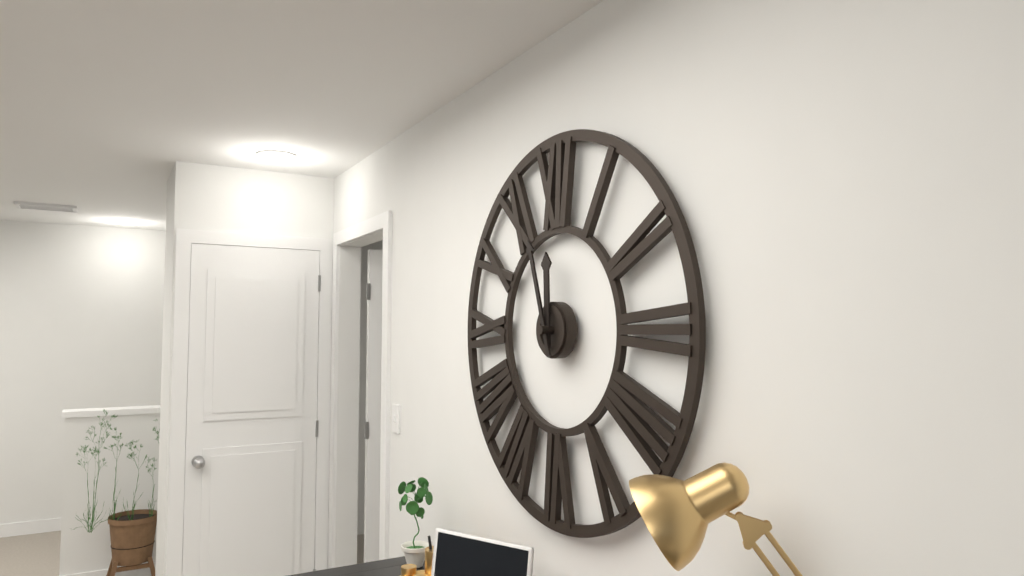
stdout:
h=11 m=57
